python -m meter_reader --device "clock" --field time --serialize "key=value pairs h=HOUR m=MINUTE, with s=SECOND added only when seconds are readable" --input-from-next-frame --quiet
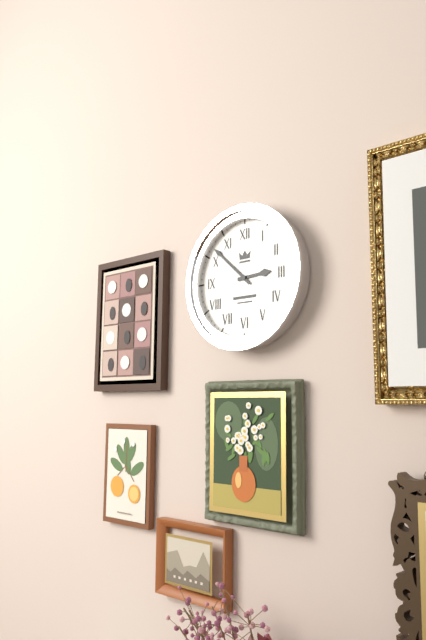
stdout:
h=2 m=52
